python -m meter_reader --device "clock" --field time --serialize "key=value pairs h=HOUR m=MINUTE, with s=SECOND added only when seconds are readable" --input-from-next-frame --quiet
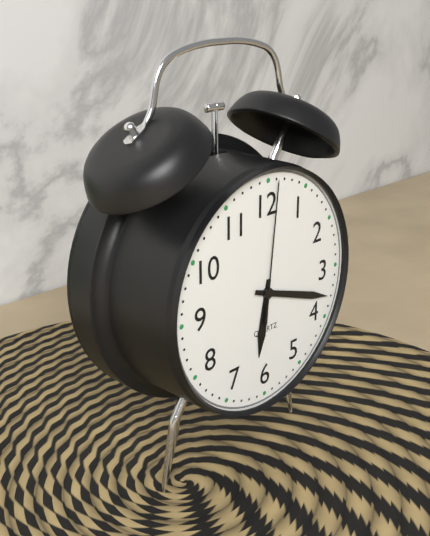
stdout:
h=6 m=18 s=1
